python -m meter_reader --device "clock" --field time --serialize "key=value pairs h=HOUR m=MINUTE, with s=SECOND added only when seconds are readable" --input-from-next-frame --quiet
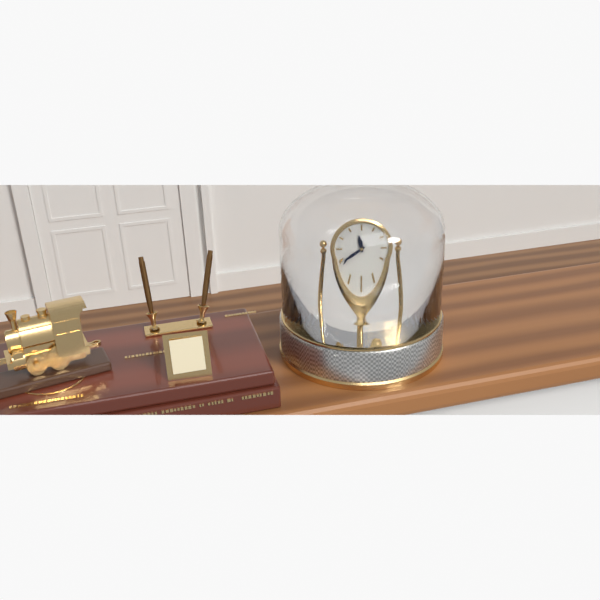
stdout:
h=11 m=39
